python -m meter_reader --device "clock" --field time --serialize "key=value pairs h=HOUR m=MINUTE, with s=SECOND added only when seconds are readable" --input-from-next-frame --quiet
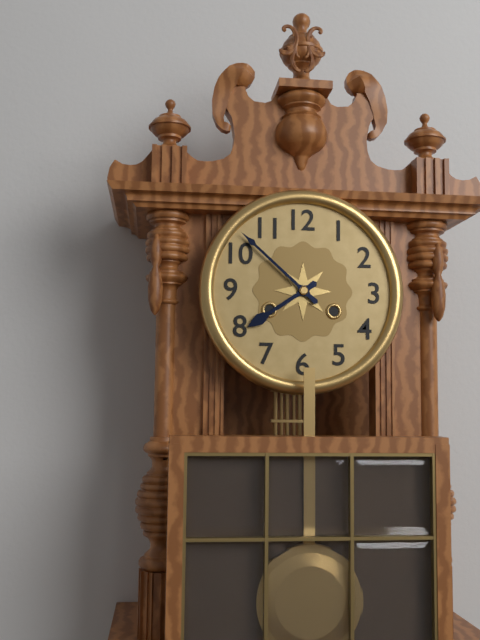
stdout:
h=7 m=52
